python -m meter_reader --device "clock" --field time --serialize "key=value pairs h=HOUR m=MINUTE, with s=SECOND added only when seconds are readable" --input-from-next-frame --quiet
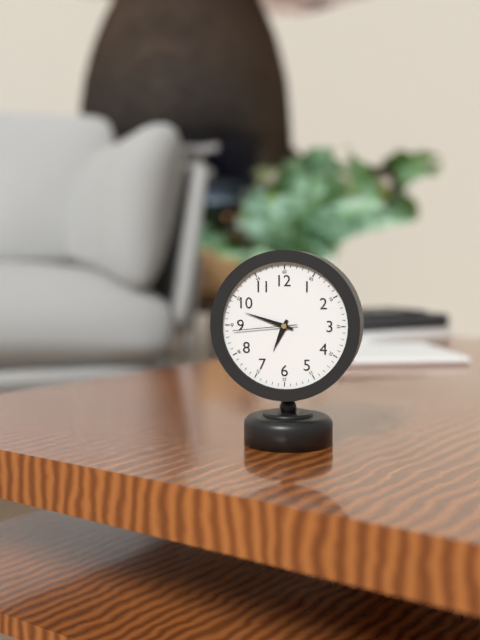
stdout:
h=6 m=48 s=44
